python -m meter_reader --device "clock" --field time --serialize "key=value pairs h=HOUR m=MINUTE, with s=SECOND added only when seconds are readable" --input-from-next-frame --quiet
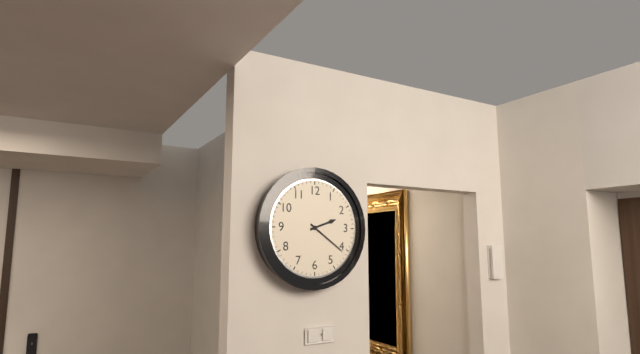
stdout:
h=2 m=21
